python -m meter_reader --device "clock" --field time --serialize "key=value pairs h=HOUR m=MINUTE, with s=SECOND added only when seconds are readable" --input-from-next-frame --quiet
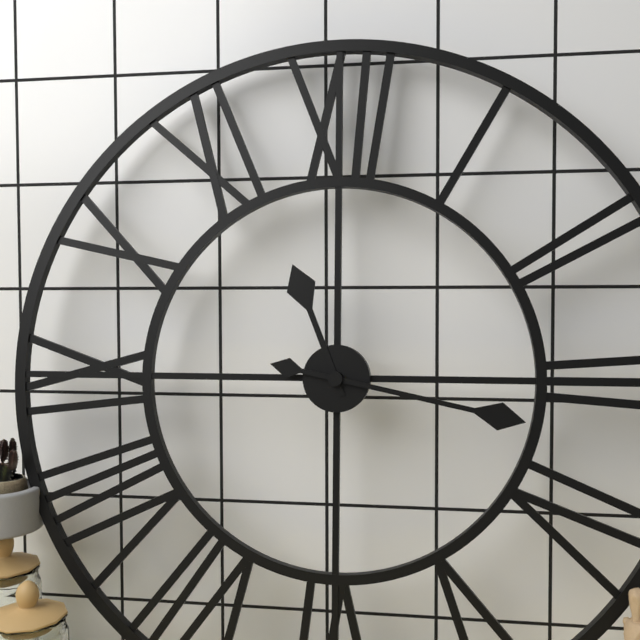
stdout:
h=11 m=17
